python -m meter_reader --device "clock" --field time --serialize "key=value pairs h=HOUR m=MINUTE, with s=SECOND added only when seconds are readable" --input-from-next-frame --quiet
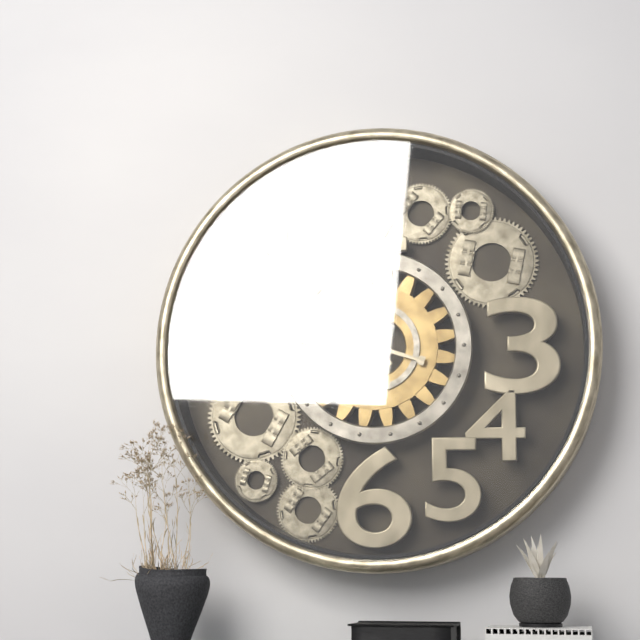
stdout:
h=10 m=48
